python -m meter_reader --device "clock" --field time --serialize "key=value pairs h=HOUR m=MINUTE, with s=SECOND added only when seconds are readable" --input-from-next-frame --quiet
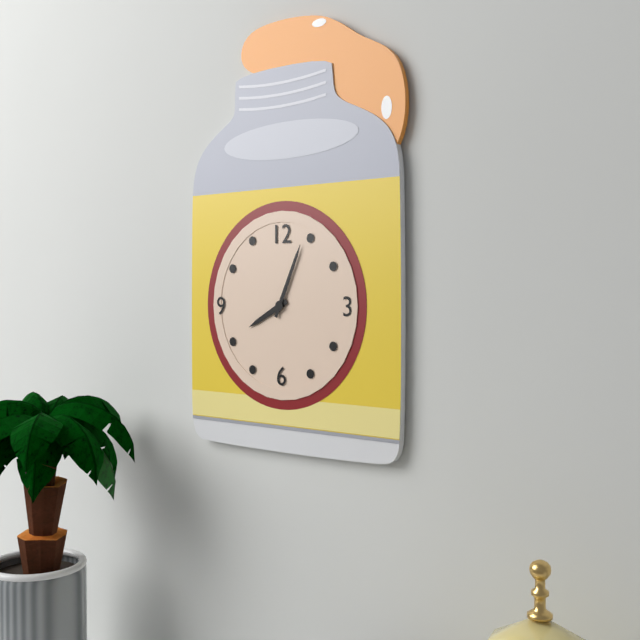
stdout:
h=8 m=4
